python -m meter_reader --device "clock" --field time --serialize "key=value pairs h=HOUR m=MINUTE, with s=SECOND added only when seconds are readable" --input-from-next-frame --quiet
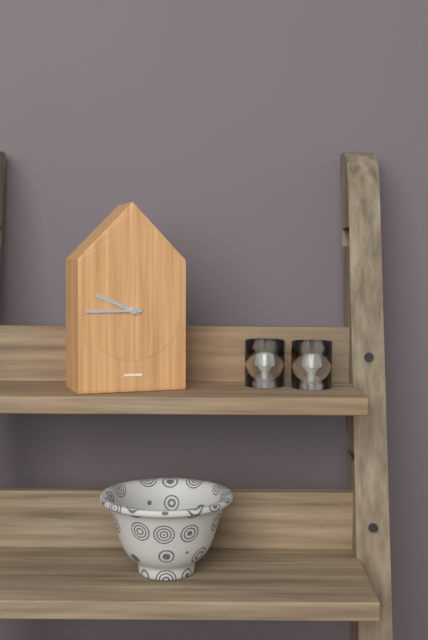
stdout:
h=9 m=45
